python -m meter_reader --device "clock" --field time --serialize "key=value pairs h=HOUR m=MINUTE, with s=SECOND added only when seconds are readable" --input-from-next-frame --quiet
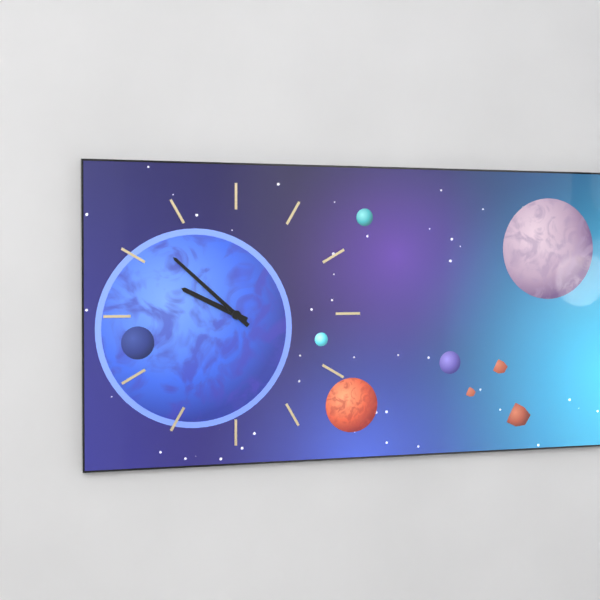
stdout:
h=9 m=52
